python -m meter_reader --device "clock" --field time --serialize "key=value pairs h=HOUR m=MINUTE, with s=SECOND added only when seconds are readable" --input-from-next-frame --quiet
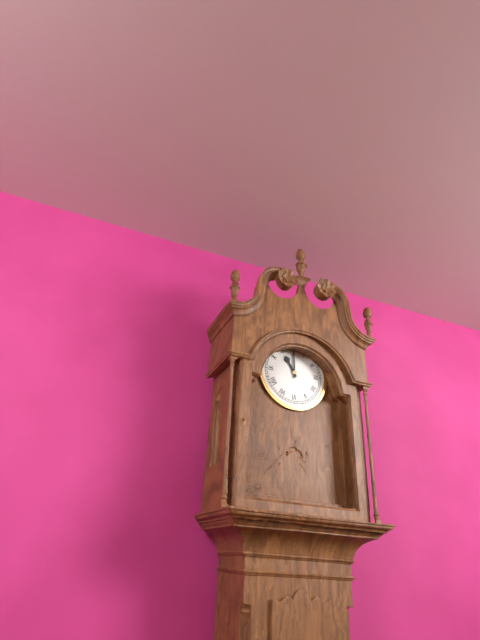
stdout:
h=11 m=0
